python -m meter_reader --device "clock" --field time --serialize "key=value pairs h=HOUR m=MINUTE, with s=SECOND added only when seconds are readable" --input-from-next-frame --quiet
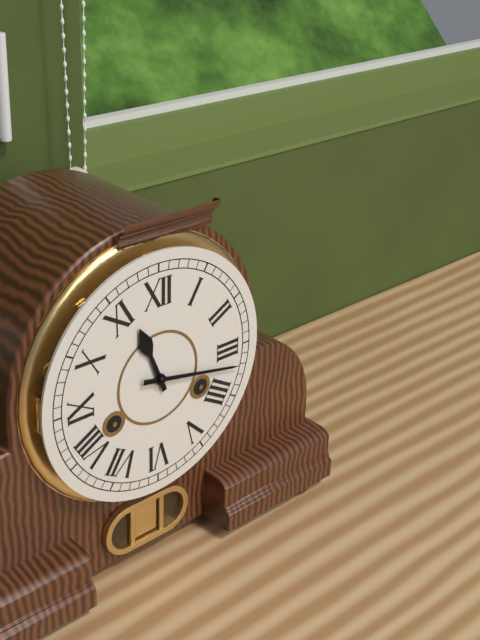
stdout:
h=11 m=17
